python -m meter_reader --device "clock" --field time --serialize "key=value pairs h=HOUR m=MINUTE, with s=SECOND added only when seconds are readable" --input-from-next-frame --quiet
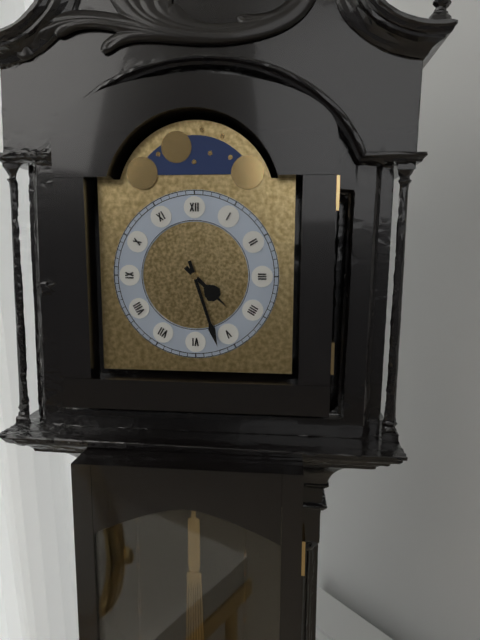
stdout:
h=4 m=27
